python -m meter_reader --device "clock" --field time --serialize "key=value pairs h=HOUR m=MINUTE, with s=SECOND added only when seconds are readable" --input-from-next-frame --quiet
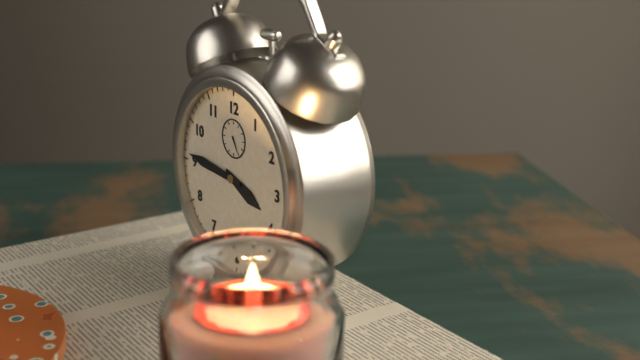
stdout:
h=3 m=46
